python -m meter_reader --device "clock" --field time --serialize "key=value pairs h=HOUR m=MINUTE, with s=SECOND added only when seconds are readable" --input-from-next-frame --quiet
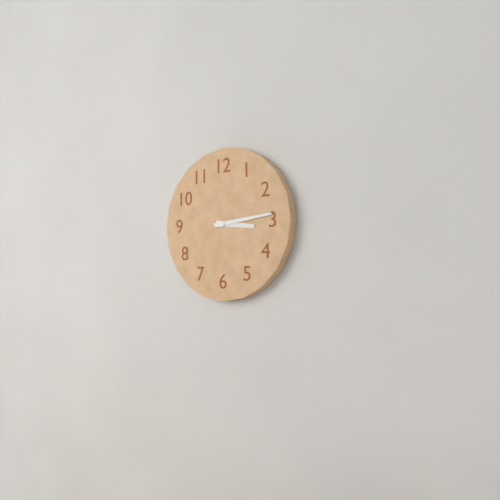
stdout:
h=3 m=14
